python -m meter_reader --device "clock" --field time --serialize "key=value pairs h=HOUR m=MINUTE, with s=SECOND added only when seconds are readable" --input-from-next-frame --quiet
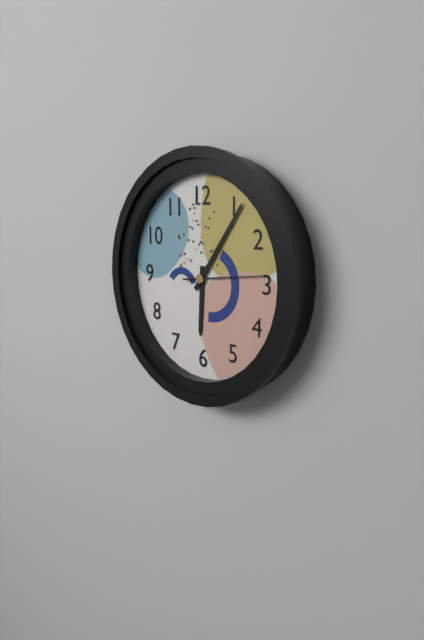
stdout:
h=6 m=6 s=14
